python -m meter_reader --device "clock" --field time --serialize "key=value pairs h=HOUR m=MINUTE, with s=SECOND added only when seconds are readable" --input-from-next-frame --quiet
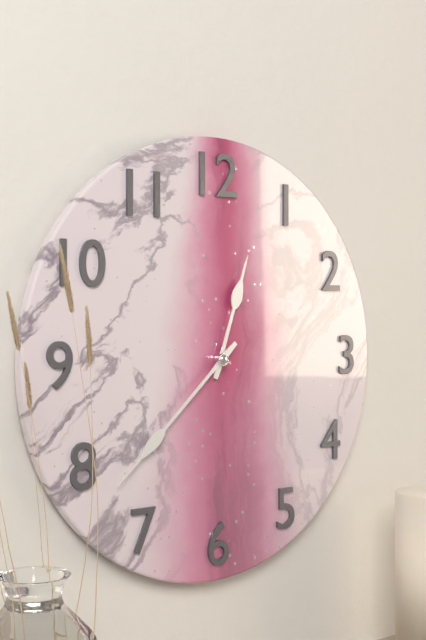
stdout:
h=12 m=38
